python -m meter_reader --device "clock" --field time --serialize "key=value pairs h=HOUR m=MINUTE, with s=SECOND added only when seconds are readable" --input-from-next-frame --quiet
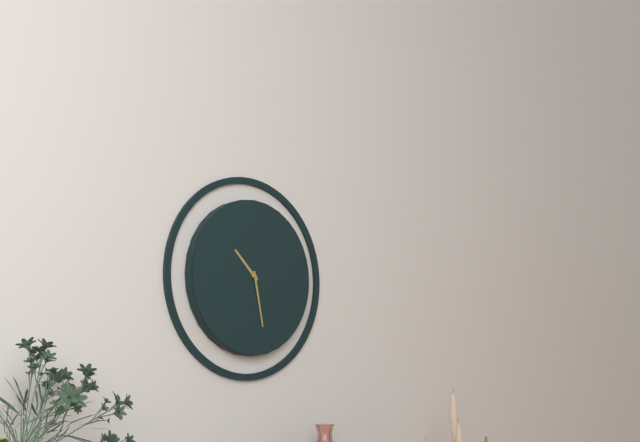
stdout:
h=10 m=28
